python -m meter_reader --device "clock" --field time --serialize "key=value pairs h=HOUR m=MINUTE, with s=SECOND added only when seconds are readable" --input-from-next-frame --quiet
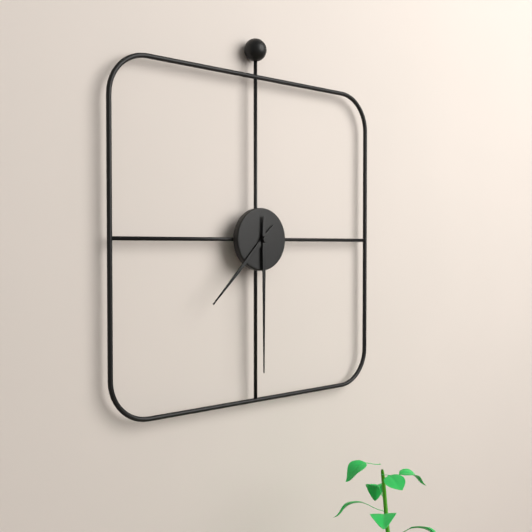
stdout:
h=7 m=30
